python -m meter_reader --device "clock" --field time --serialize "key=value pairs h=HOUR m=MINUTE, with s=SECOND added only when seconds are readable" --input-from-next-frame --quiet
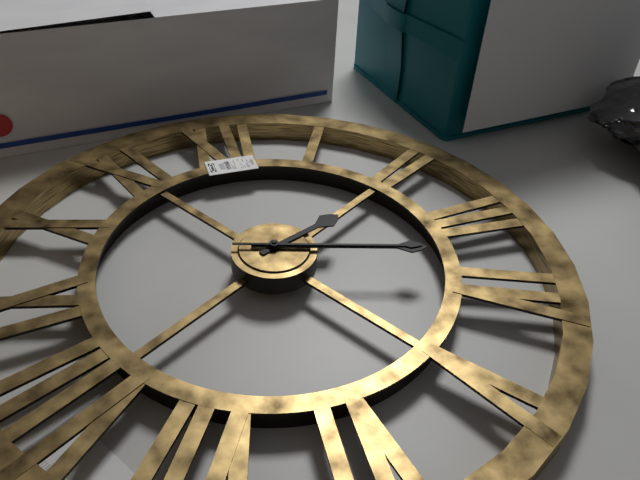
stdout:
h=2 m=18 s=18
